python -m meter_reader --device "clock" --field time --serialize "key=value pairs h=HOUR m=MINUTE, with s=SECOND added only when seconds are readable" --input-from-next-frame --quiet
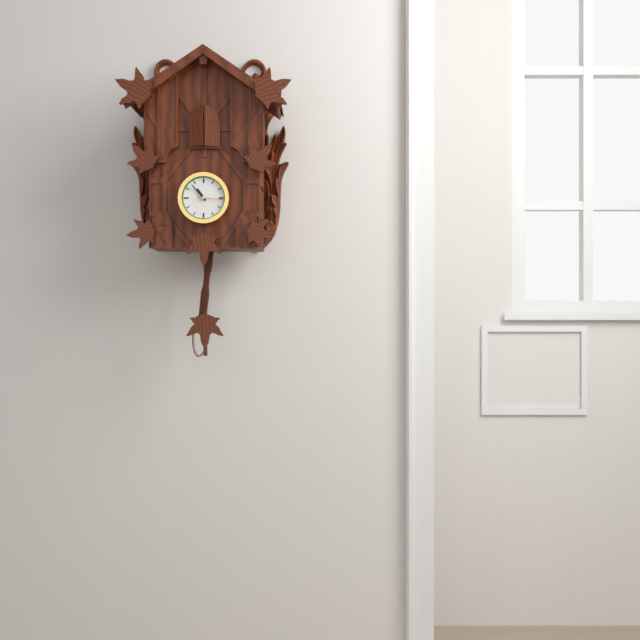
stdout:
h=10 m=53
